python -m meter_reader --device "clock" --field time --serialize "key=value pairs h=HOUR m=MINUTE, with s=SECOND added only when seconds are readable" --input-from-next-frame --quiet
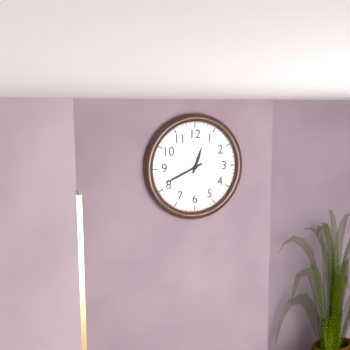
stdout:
h=12 m=41
